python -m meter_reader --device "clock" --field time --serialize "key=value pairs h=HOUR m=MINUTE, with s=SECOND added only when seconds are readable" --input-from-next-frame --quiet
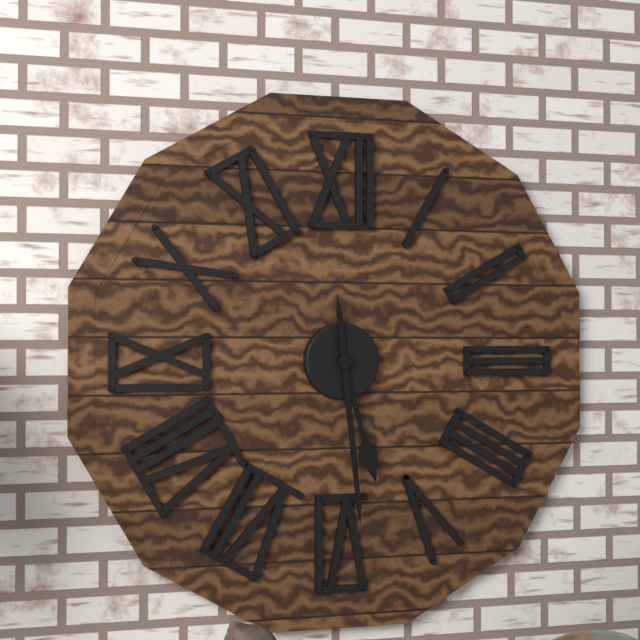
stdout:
h=5 m=29
